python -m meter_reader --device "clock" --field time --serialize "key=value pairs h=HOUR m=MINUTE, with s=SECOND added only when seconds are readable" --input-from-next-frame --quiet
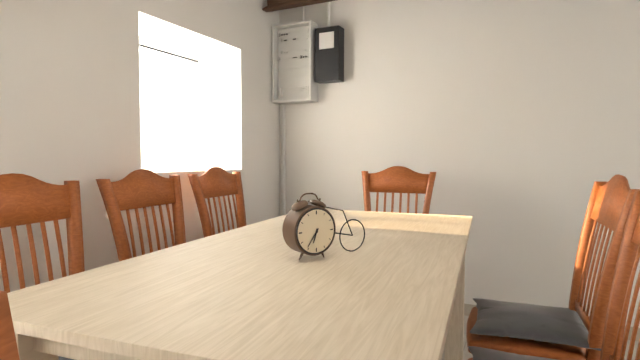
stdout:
h=6 m=36
